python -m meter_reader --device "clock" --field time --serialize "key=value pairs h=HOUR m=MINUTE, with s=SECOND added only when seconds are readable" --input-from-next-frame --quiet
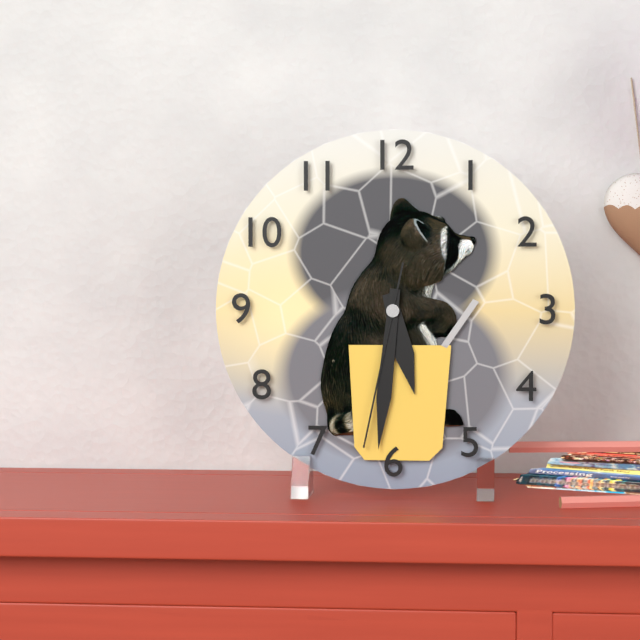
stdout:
h=5 m=31 s=32
